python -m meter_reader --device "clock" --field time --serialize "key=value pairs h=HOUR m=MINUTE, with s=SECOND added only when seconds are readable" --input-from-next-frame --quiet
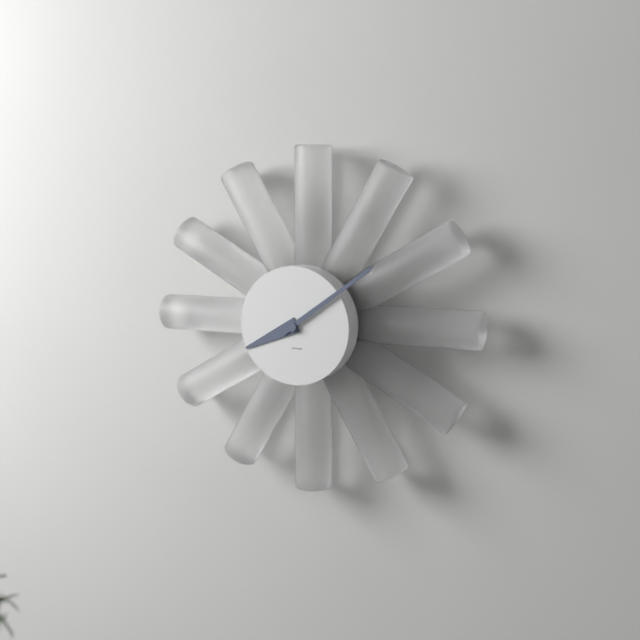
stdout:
h=8 m=9
